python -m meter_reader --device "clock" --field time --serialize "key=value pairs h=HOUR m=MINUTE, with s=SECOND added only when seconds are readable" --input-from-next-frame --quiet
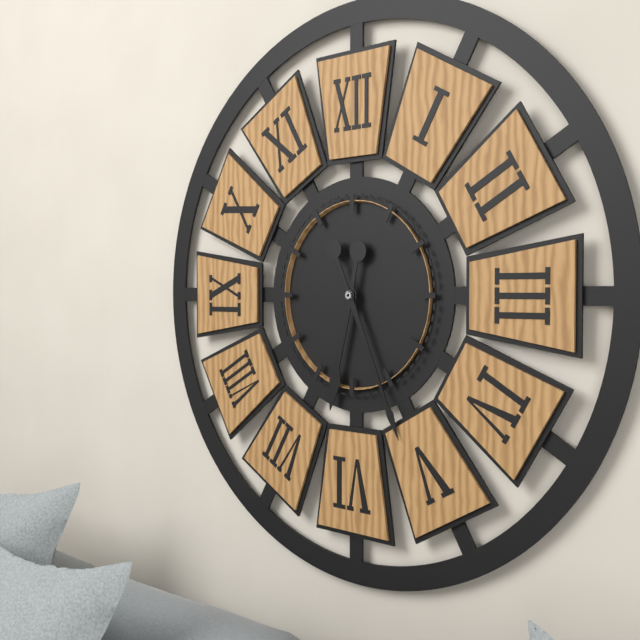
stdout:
h=6 m=26
